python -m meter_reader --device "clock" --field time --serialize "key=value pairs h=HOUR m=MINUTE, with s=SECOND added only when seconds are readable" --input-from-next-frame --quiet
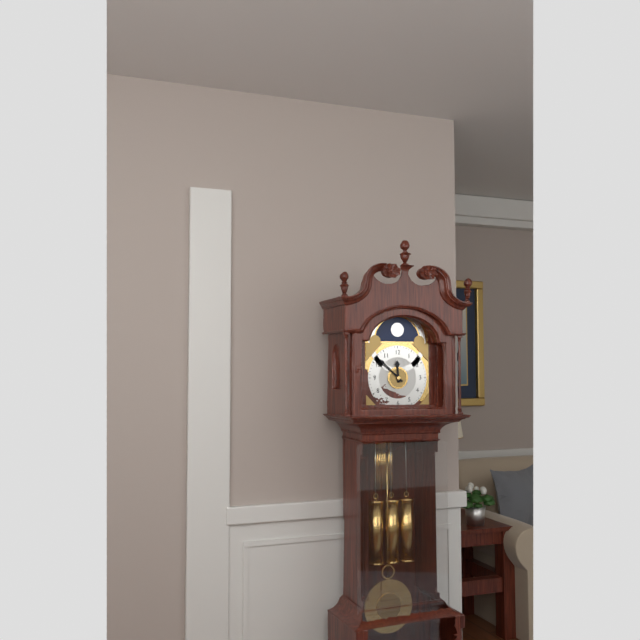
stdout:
h=11 m=52
